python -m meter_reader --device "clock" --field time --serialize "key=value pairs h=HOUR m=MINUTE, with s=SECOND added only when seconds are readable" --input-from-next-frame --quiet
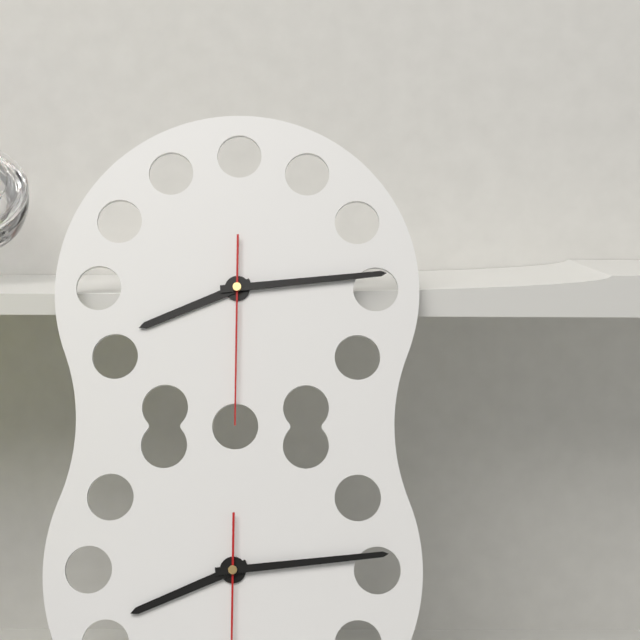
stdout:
h=8 m=14 s=30
